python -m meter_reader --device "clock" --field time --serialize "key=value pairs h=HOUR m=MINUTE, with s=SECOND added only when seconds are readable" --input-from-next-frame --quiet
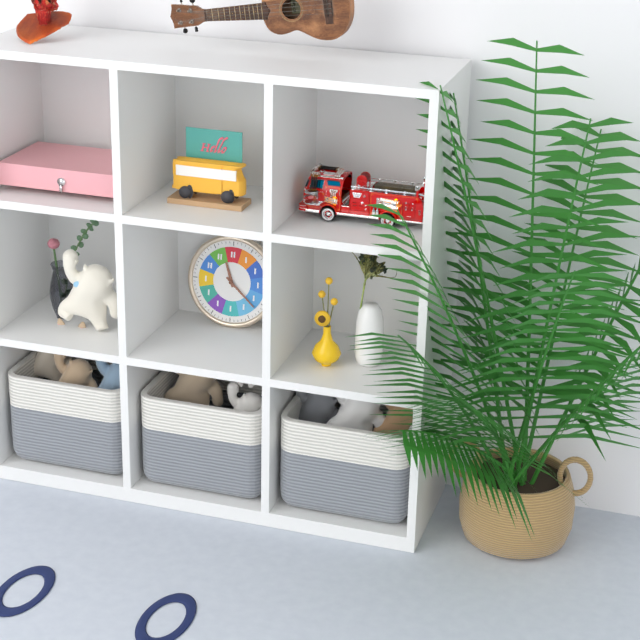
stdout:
h=11 m=22
